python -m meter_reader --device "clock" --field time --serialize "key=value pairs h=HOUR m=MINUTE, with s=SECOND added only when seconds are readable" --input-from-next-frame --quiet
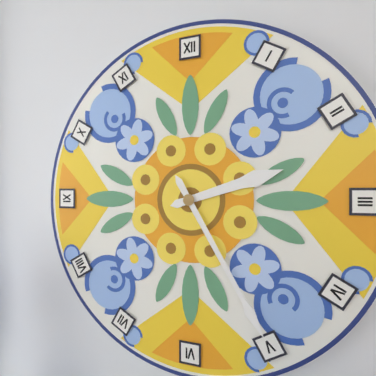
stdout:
h=2 m=25
